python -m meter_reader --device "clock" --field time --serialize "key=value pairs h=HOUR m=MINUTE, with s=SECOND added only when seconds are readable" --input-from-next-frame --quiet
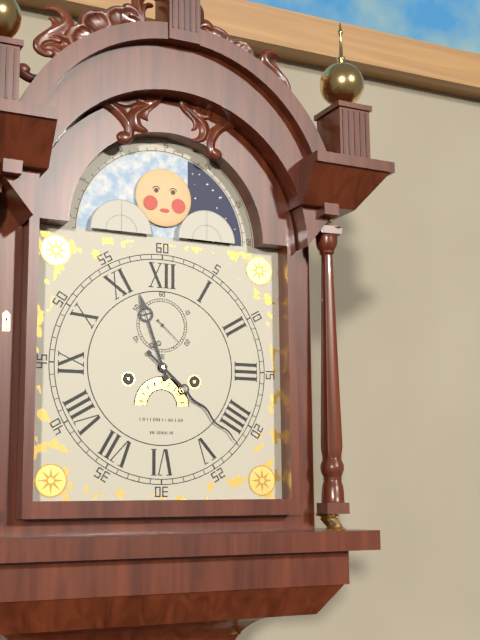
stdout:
h=11 m=22
